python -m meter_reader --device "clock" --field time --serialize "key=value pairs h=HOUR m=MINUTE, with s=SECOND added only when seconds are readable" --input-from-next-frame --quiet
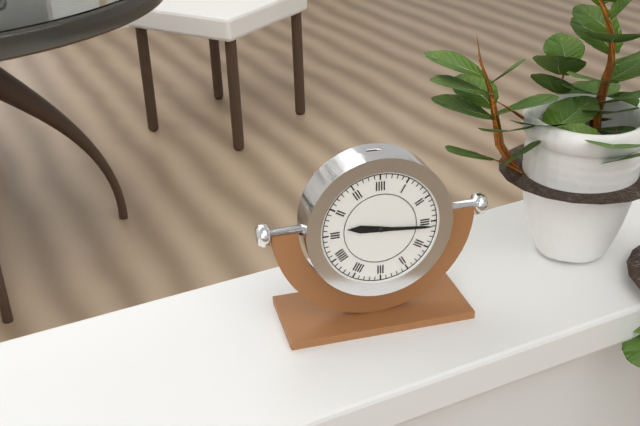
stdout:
h=9 m=16
